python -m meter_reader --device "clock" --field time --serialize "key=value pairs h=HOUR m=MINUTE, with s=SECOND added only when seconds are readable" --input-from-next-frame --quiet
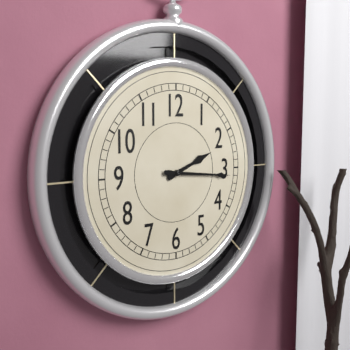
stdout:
h=2 m=16
